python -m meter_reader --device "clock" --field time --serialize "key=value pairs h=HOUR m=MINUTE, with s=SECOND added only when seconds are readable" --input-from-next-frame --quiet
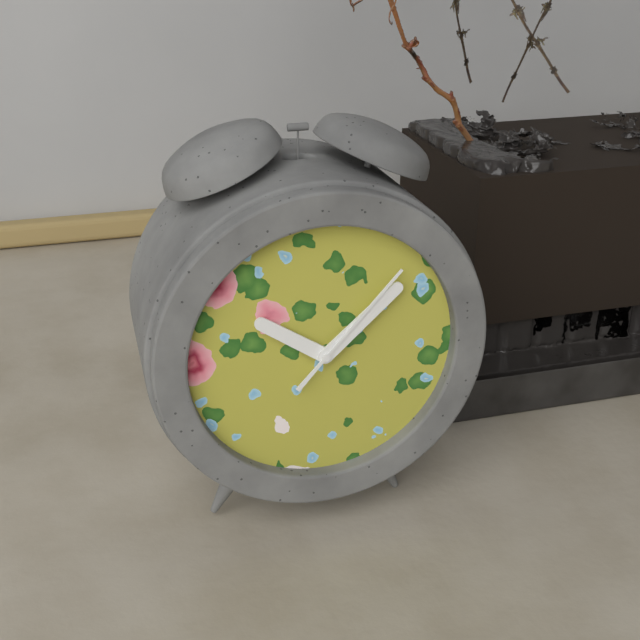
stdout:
h=10 m=8 s=7
